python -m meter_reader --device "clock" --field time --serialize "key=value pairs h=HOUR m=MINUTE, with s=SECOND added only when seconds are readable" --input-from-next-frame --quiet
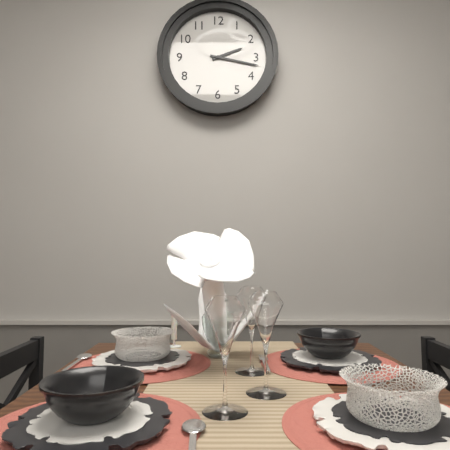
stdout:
h=2 m=17
